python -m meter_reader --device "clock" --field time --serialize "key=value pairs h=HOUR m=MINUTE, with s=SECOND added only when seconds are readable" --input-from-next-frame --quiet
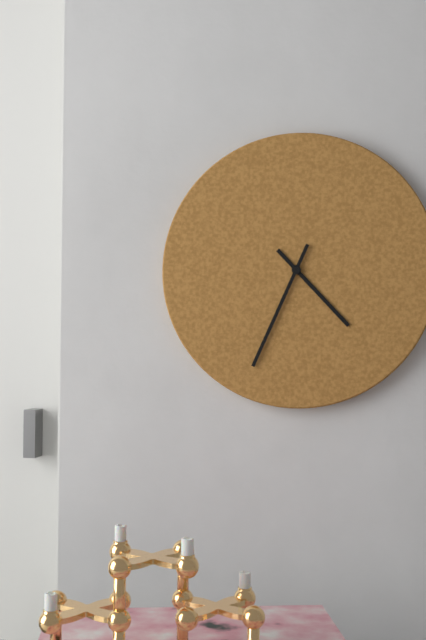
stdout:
h=4 m=34
